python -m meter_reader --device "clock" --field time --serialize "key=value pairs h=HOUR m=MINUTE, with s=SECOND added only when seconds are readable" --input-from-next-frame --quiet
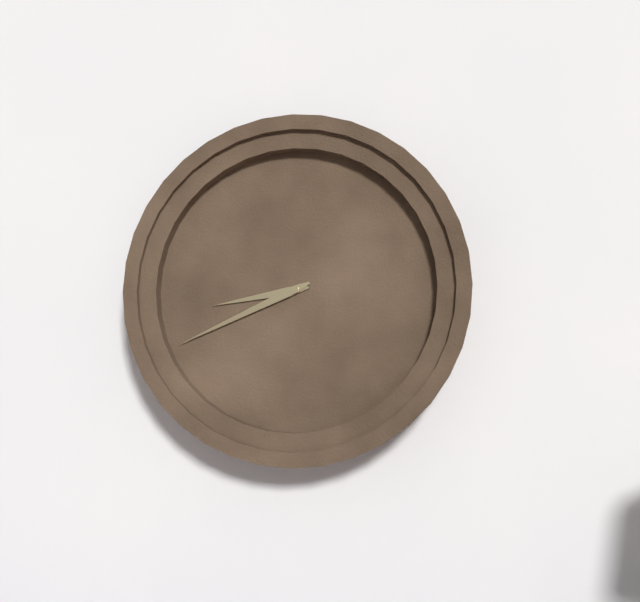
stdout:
h=8 m=41
